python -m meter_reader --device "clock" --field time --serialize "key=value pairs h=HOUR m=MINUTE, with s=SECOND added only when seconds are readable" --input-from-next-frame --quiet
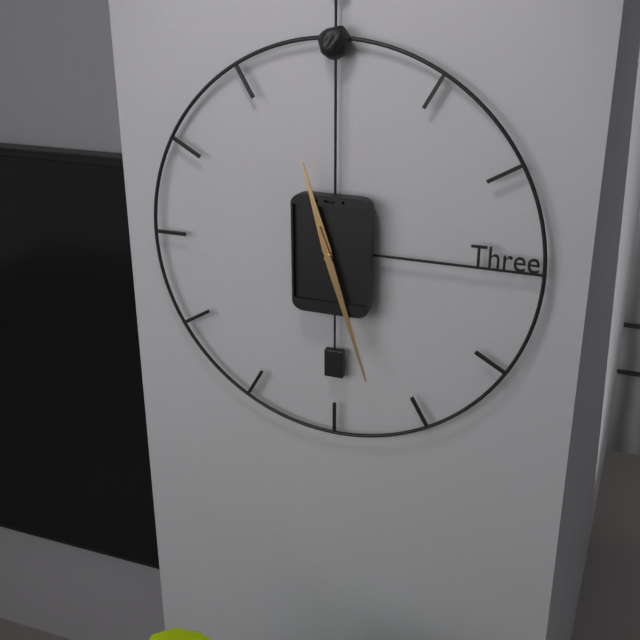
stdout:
h=11 m=27
